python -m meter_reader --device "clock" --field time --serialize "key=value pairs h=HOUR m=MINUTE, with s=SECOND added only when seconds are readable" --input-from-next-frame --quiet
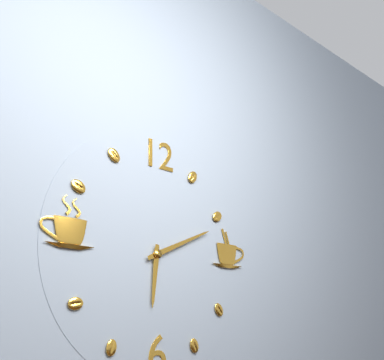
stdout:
h=6 m=11
